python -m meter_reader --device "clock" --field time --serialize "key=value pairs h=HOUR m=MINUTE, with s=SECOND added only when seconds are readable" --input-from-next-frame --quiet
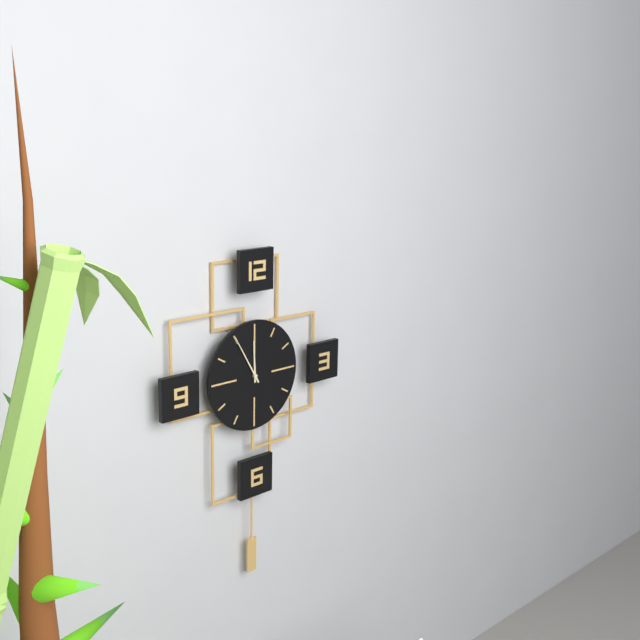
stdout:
h=11 m=55
